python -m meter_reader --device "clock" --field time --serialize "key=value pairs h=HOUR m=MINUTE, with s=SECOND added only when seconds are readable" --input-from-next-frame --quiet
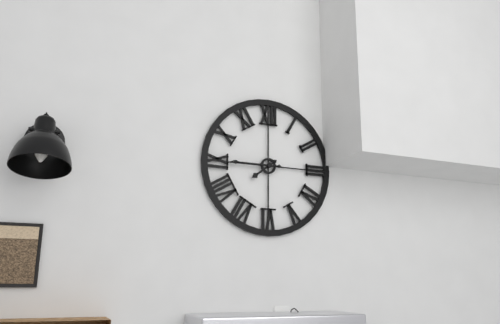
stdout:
h=7 m=45
